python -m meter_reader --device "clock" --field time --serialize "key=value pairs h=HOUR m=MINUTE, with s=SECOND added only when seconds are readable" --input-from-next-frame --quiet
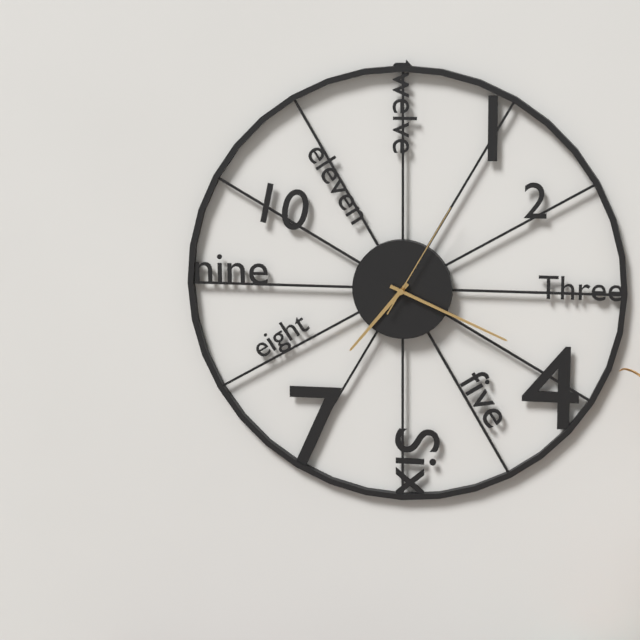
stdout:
h=7 m=19 s=5
